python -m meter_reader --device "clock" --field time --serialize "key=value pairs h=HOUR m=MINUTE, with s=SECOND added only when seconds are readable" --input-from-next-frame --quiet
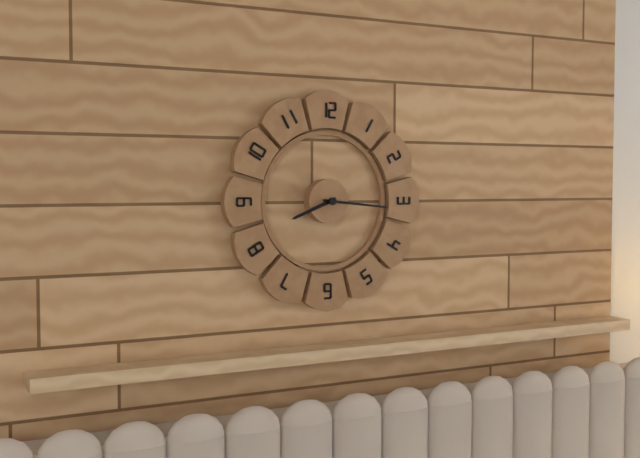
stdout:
h=8 m=16
